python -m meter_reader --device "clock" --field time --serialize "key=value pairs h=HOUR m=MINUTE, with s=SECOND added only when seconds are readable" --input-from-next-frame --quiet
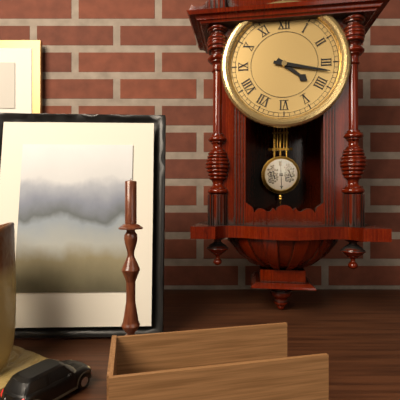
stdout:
h=4 m=17
